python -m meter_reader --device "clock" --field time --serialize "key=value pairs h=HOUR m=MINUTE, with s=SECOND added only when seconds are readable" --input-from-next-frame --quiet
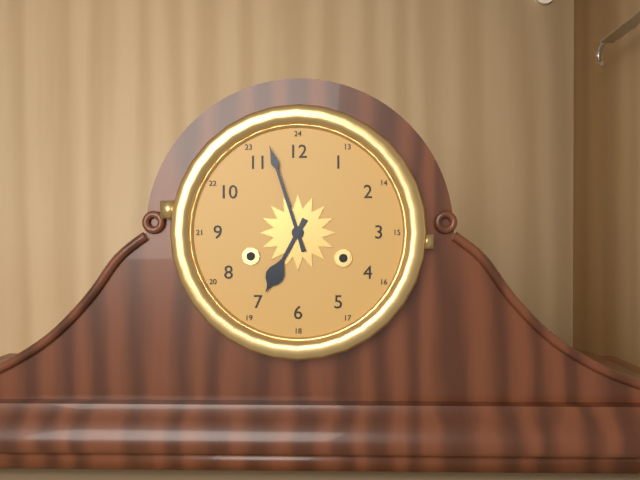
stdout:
h=6 m=57
